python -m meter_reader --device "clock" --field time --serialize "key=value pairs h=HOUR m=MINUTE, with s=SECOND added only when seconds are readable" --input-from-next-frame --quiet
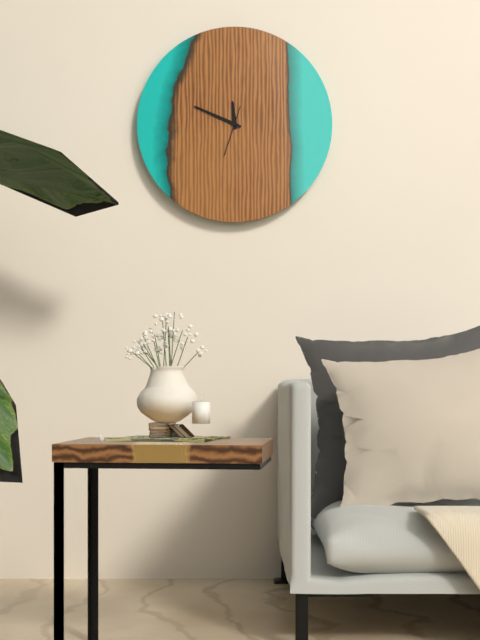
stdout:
h=11 m=49
